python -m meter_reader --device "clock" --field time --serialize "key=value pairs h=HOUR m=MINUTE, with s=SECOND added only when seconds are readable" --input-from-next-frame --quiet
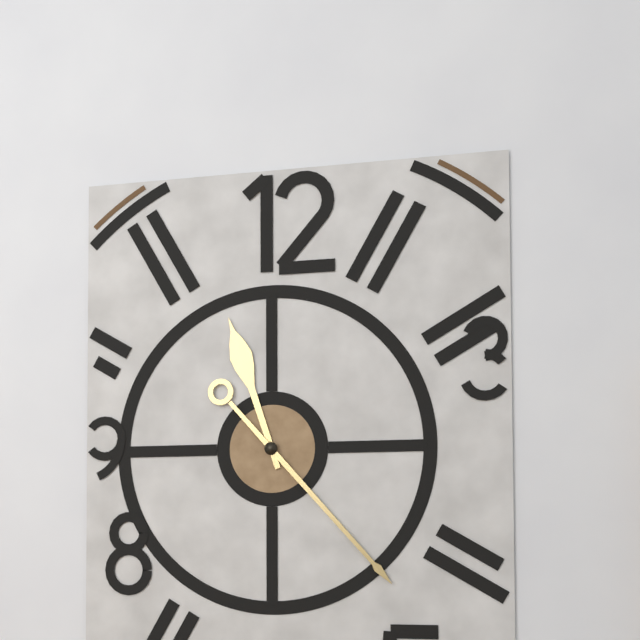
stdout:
h=11 m=23
